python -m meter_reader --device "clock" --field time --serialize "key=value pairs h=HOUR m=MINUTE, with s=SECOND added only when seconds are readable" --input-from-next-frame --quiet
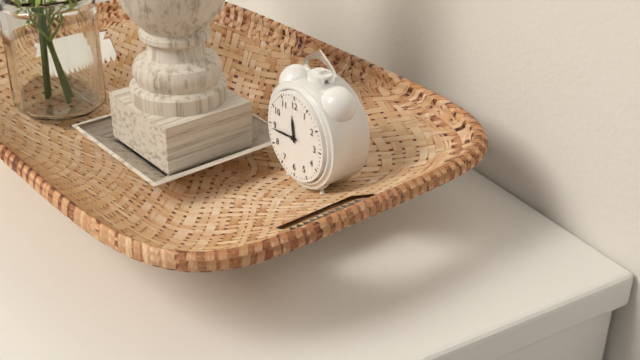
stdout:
h=11 m=44
